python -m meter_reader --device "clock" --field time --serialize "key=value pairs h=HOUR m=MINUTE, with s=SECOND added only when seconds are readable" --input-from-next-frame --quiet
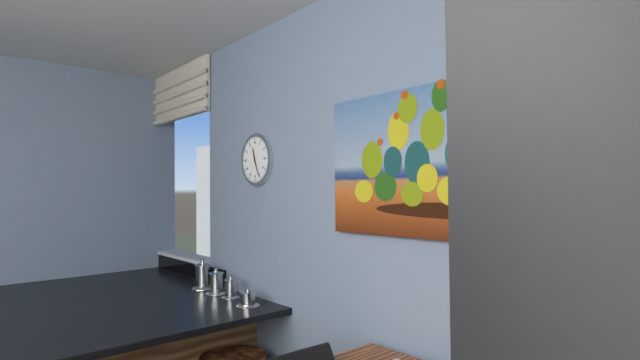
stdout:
h=11 m=26
